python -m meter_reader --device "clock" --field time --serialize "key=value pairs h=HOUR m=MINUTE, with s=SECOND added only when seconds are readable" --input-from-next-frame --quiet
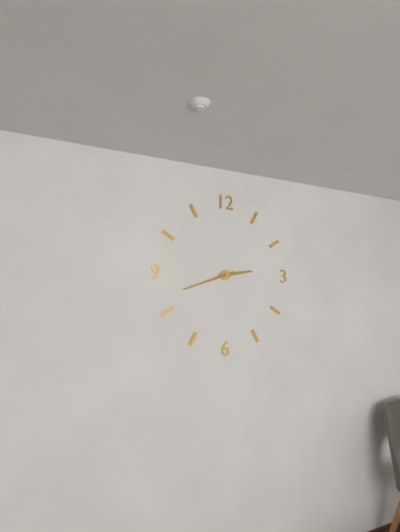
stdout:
h=2 m=42
